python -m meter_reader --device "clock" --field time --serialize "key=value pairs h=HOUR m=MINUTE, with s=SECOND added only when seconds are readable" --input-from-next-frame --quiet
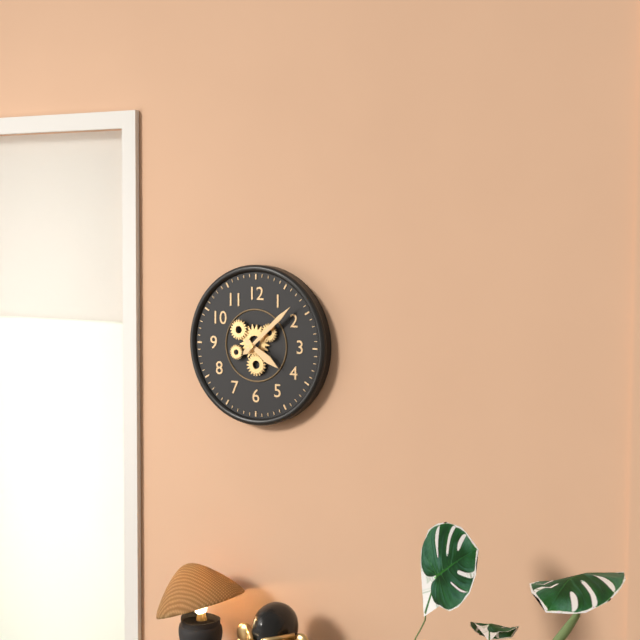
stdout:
h=4 m=8
